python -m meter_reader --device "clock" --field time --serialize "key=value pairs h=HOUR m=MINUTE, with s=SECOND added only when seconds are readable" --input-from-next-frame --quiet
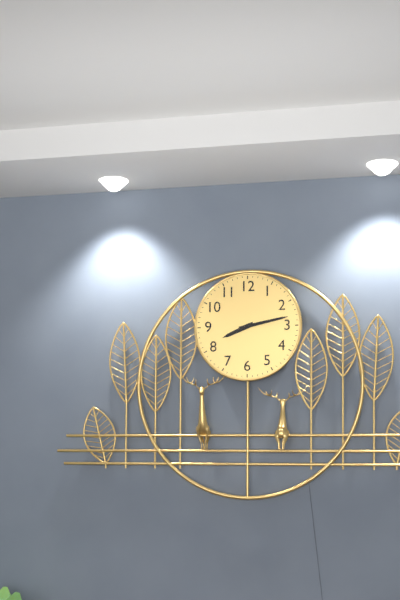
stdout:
h=8 m=13
